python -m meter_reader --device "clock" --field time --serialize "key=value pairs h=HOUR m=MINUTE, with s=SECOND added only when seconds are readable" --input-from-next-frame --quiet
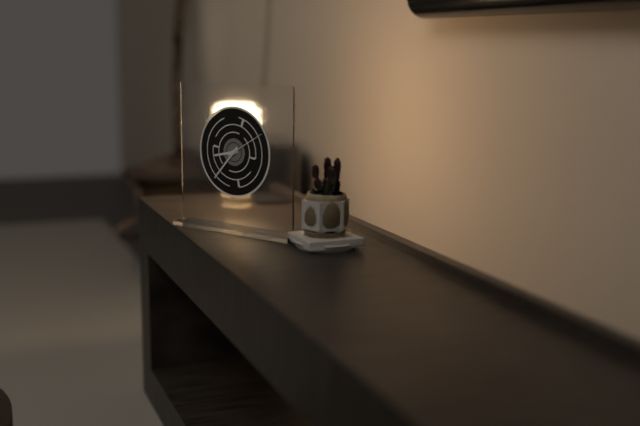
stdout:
h=8 m=37
